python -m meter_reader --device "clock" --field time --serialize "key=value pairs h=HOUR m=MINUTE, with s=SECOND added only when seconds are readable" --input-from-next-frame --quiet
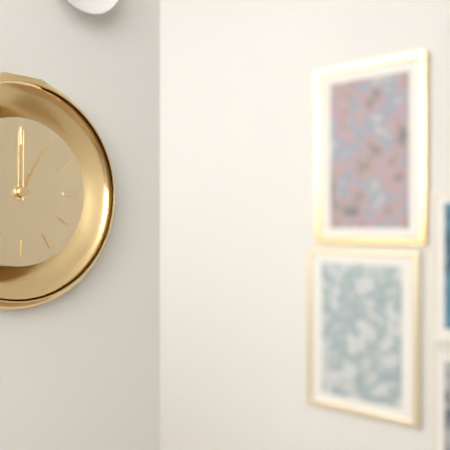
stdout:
h=1 m=0
